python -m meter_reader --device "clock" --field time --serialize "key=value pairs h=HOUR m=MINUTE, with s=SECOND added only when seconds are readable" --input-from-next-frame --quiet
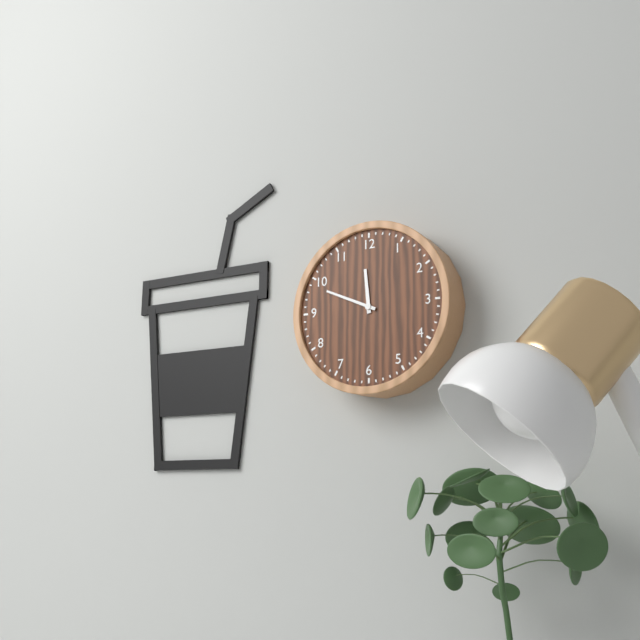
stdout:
h=11 m=49
